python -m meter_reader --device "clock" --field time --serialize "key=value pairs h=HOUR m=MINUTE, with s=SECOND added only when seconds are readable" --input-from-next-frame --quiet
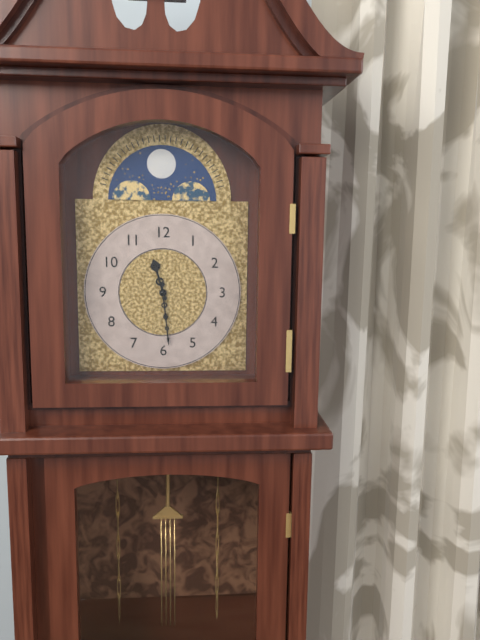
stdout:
h=11 m=29
